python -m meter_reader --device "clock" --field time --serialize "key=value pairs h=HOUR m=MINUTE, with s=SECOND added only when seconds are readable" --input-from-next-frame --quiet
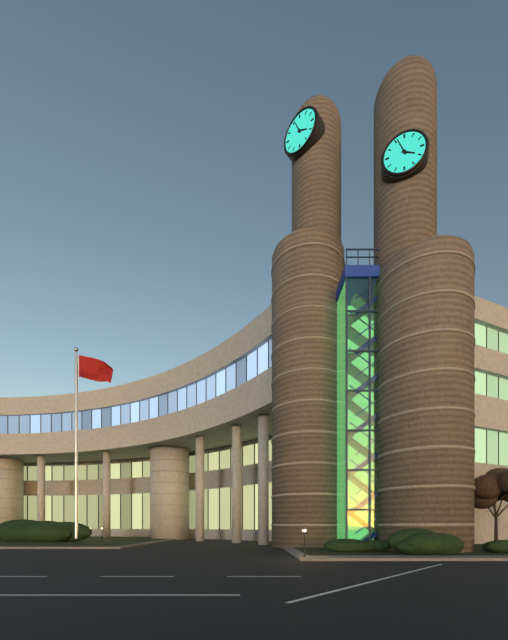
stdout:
h=3 m=56
